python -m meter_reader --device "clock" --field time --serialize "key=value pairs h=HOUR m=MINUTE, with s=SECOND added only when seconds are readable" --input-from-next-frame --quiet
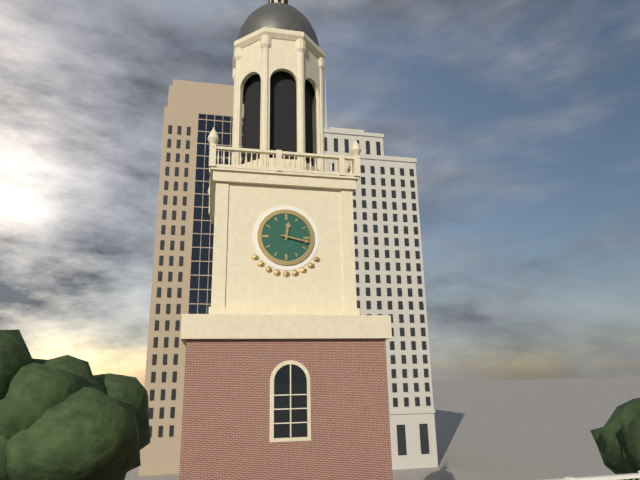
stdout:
h=12 m=17
